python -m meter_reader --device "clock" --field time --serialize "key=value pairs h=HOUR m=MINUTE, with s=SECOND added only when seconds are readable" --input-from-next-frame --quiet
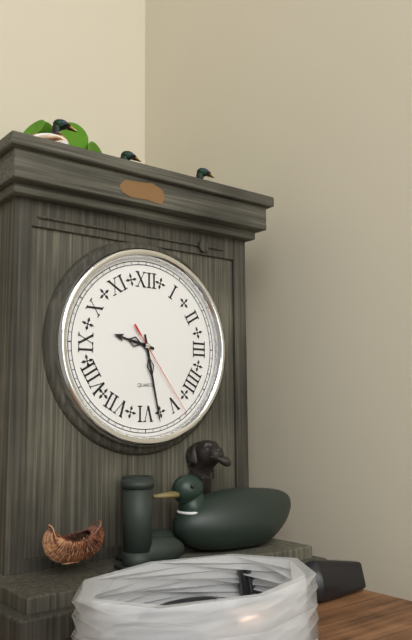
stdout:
h=9 m=28 s=24
